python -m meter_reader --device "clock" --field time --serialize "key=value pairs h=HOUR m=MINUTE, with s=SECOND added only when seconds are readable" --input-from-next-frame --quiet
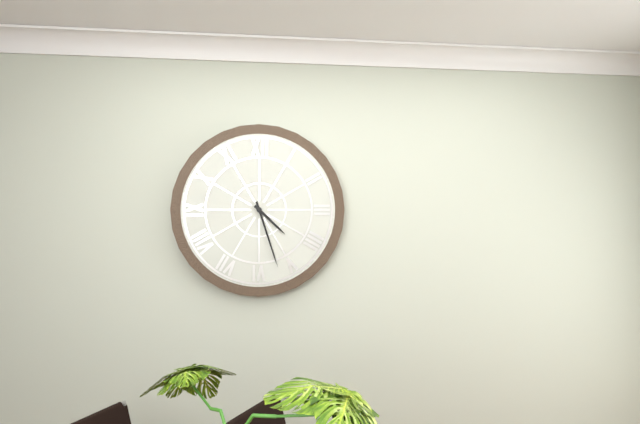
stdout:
h=4 m=27
